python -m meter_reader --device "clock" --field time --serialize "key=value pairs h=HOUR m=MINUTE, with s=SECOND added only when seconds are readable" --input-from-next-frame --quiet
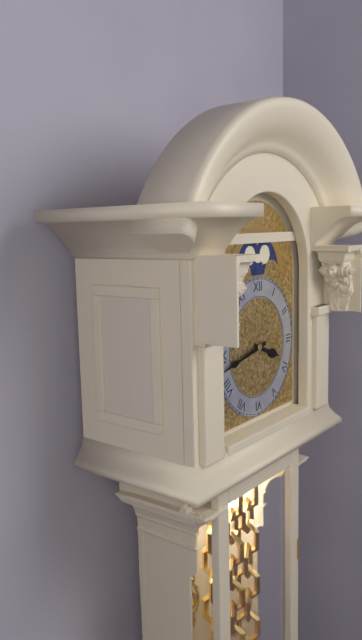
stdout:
h=3 m=43
